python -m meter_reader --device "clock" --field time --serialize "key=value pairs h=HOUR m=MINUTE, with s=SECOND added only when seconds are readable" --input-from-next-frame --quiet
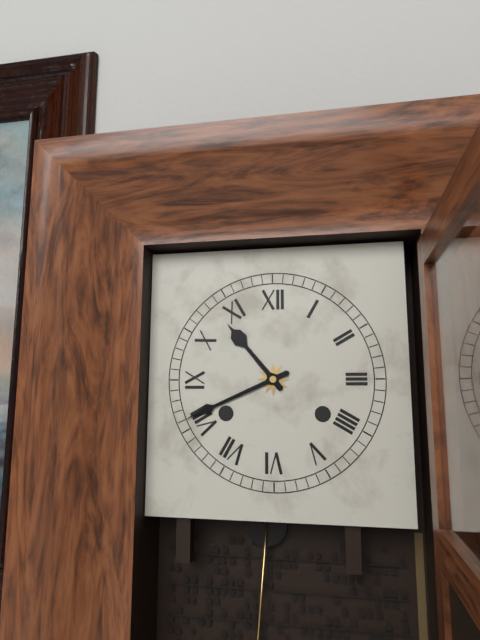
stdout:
h=10 m=41
